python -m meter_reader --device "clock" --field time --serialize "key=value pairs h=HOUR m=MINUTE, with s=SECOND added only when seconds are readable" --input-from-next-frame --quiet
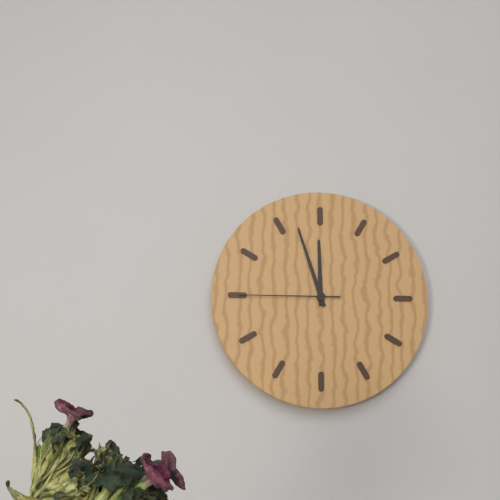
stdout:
h=11 m=57 s=45
